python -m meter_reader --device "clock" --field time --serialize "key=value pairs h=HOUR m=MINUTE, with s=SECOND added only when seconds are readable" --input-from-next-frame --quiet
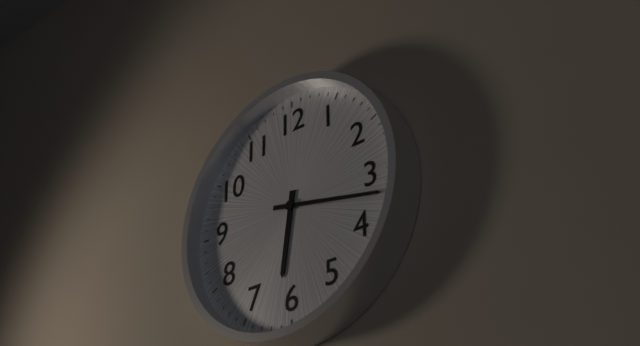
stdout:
h=6 m=17
